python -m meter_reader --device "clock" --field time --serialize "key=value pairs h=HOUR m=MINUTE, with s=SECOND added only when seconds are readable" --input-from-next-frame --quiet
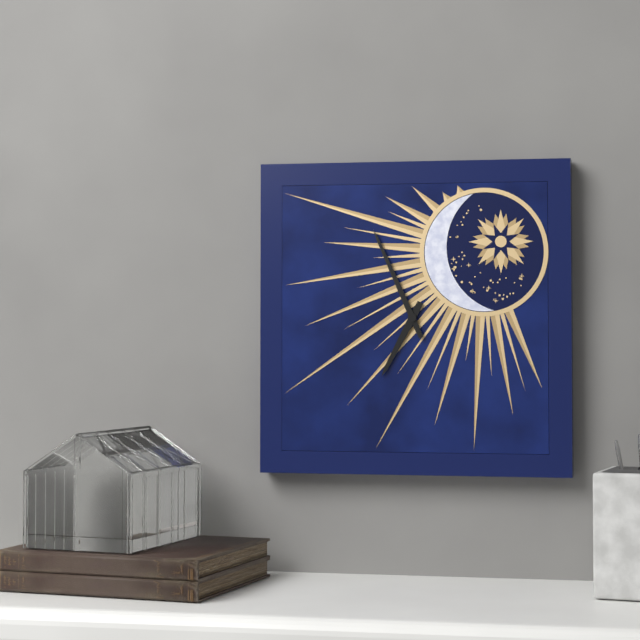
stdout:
h=6 m=56
